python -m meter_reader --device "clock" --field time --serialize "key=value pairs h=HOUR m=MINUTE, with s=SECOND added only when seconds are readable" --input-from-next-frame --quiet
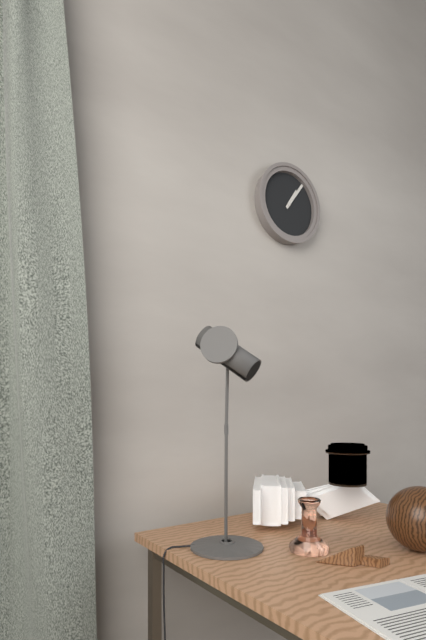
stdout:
h=1 m=6
